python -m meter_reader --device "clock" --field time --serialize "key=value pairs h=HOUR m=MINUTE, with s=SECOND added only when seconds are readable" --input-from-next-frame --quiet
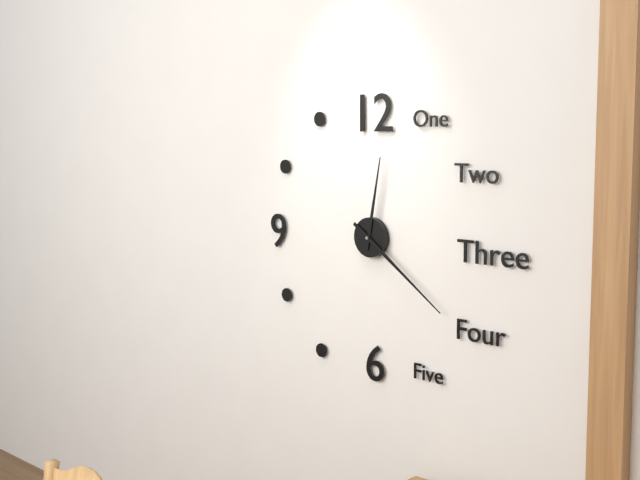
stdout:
h=12 m=21
